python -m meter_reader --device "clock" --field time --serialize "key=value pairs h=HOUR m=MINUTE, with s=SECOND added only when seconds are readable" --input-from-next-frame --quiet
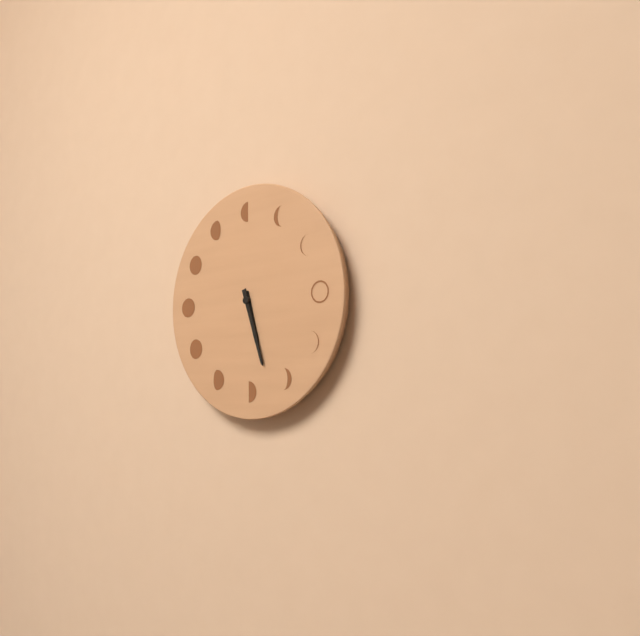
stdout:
h=5 m=27
